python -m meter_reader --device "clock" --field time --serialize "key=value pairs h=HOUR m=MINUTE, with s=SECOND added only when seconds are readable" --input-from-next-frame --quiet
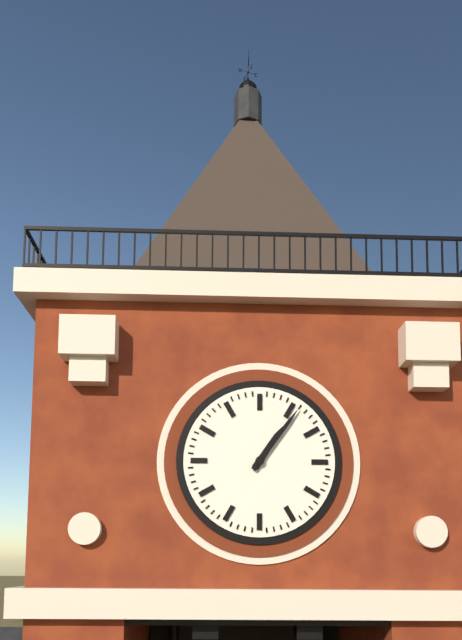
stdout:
h=1 m=6
